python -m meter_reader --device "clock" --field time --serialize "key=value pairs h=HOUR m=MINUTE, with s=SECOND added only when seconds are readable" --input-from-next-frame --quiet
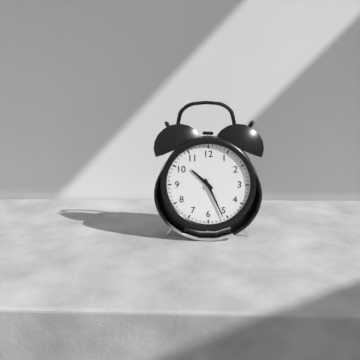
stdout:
h=10 m=26
